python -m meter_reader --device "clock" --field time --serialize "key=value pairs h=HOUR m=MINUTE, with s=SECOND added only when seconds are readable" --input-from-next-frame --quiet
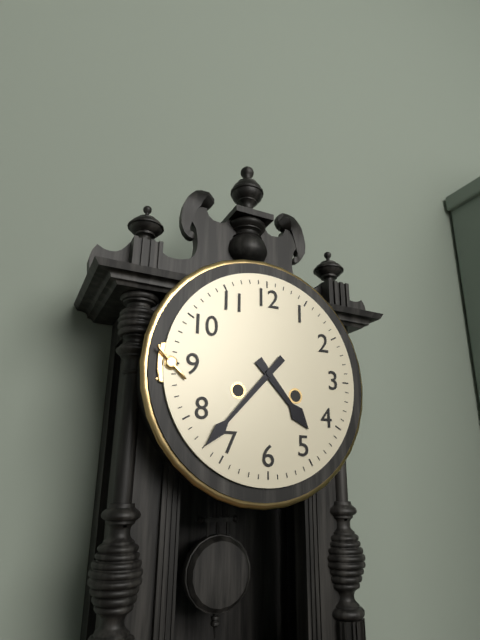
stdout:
h=4 m=37
